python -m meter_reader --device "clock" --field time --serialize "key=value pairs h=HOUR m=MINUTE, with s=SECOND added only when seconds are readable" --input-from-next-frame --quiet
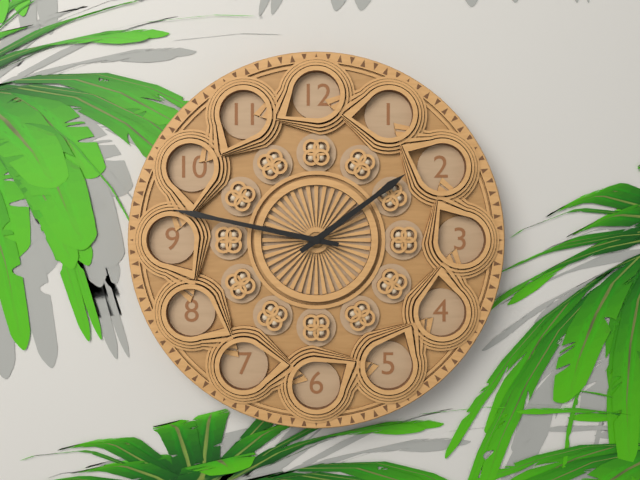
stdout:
h=1 m=47
